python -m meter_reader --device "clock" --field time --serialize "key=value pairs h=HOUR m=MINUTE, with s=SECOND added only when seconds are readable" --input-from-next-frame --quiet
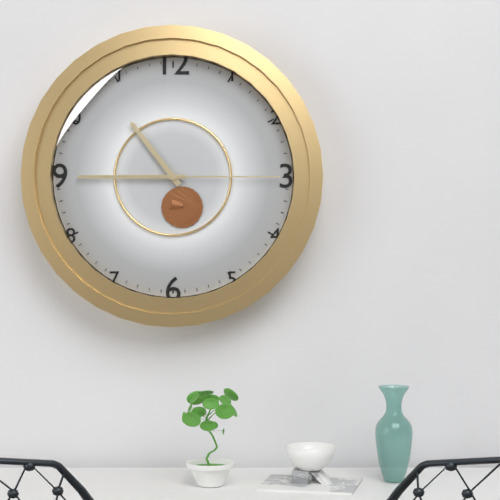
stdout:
h=10 m=45 s=15
